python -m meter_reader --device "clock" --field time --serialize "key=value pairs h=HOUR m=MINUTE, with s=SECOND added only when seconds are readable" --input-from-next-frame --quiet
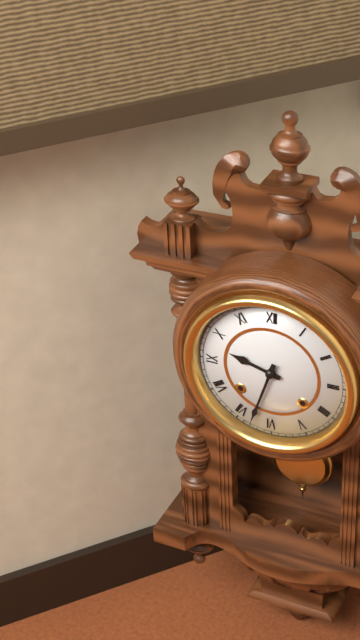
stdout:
h=9 m=33
